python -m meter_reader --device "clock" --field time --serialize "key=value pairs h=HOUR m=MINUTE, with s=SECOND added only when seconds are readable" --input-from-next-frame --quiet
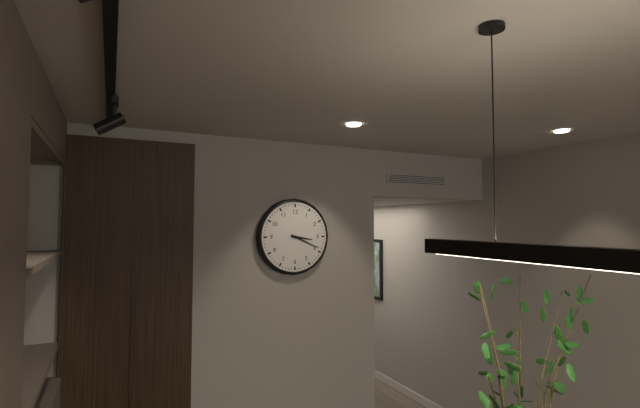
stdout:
h=3 m=19
